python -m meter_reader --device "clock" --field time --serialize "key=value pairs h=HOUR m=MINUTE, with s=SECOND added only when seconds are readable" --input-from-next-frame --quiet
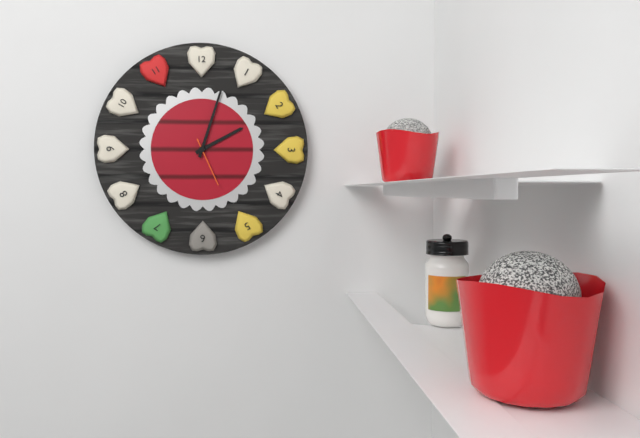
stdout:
h=2 m=3
